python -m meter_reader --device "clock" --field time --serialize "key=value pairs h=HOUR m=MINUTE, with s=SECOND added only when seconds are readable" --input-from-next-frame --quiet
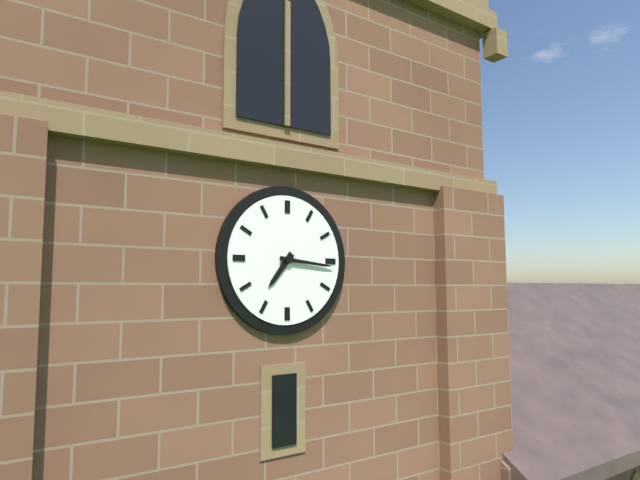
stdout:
h=7 m=16
